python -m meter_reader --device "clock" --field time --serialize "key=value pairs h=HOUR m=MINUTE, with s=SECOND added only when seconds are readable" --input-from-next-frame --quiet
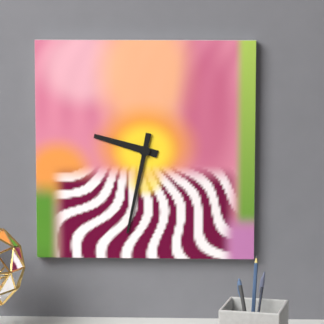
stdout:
h=9 m=32
